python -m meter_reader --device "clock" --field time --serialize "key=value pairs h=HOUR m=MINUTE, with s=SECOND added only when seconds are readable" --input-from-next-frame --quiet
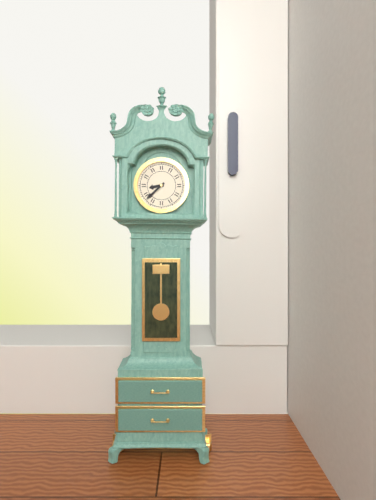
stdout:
h=8 m=38
